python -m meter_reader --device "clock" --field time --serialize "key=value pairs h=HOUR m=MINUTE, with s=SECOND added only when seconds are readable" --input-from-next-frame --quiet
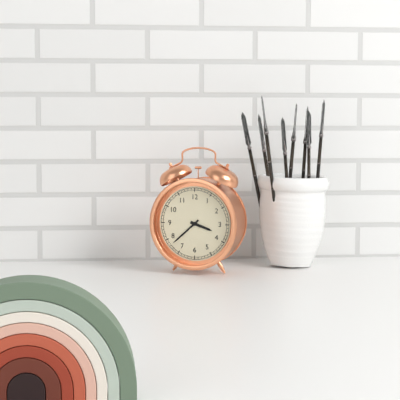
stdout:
h=3 m=38
